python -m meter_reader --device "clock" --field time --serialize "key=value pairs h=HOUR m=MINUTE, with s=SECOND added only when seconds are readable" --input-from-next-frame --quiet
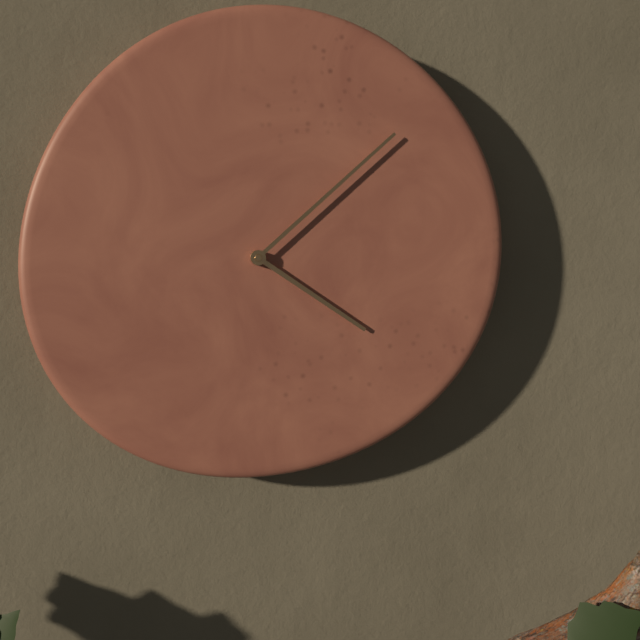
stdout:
h=4 m=8
